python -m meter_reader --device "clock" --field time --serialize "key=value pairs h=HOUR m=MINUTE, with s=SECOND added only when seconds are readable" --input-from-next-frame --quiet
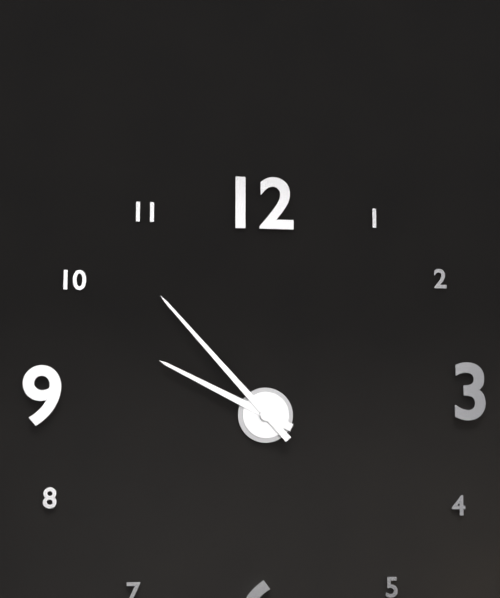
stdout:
h=9 m=53
